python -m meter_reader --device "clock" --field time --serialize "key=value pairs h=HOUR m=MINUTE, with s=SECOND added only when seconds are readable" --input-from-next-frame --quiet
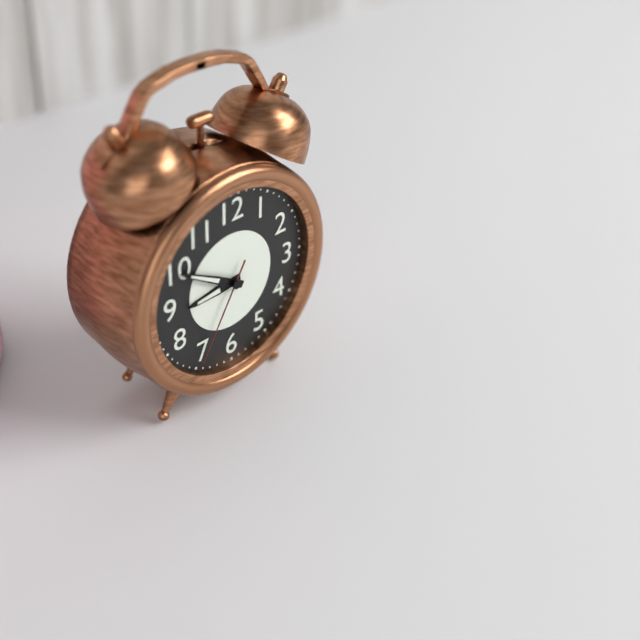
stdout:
h=8 m=50 s=35
